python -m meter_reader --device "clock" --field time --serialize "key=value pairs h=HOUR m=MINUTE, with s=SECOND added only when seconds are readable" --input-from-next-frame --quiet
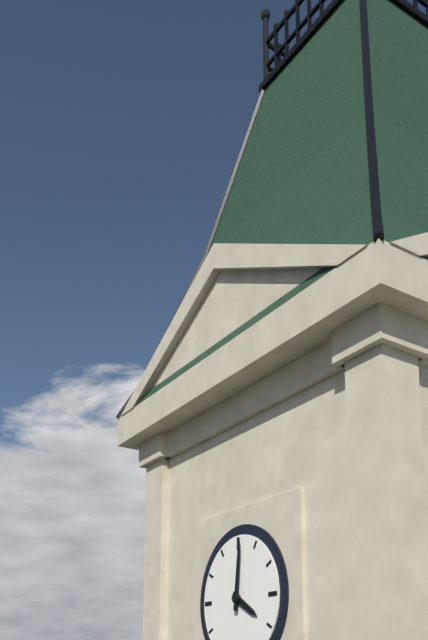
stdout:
h=4 m=1
